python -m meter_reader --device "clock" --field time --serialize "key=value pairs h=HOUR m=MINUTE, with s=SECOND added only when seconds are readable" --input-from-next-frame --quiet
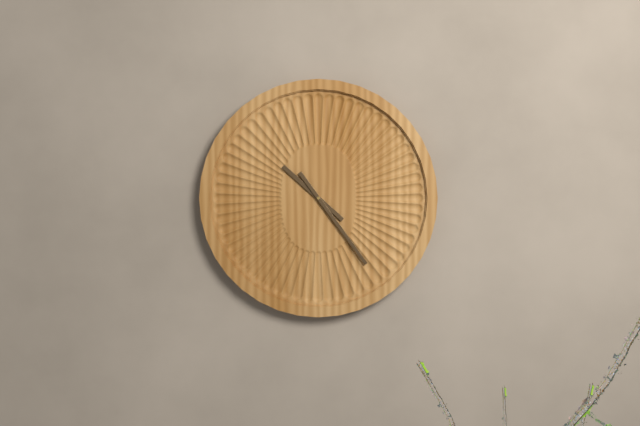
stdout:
h=10 m=24
